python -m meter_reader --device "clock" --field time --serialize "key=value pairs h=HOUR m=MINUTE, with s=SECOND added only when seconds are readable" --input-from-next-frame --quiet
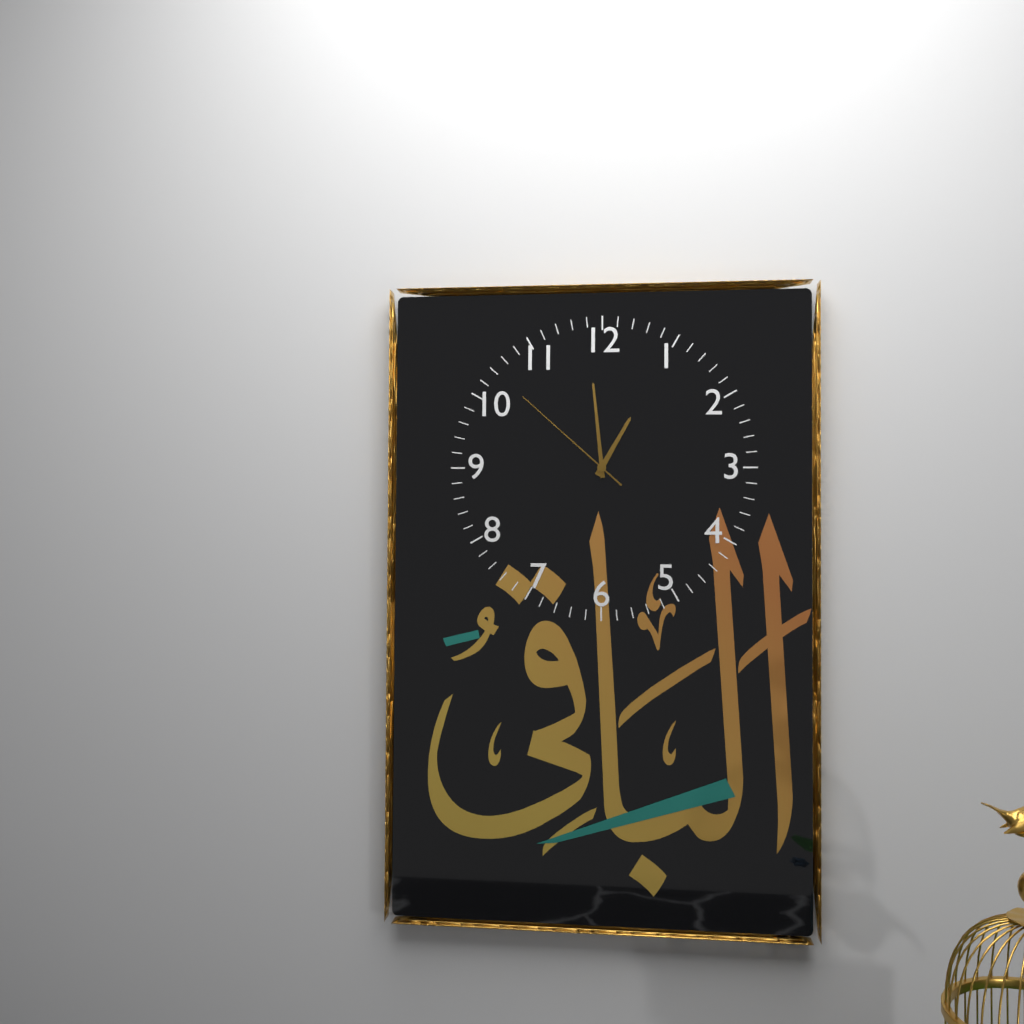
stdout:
h=12 m=59 s=52
